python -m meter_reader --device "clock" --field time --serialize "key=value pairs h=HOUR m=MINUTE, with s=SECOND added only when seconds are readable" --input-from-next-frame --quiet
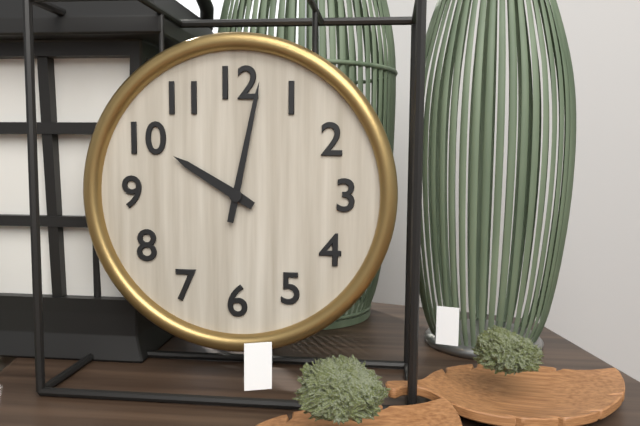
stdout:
h=10 m=2
